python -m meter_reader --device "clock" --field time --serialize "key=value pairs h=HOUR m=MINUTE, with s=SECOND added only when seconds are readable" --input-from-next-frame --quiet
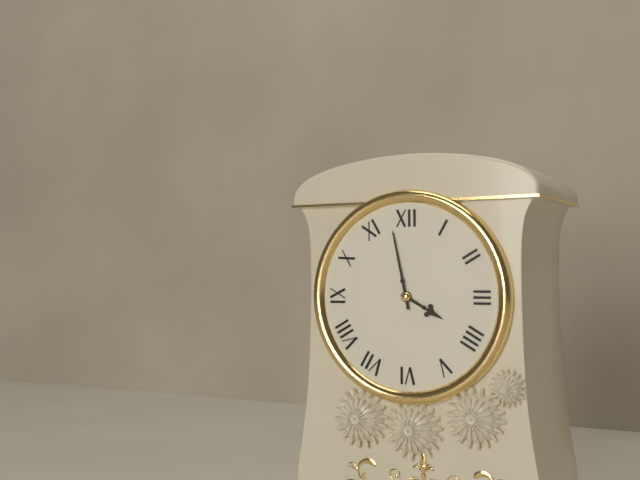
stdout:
h=3 m=58
